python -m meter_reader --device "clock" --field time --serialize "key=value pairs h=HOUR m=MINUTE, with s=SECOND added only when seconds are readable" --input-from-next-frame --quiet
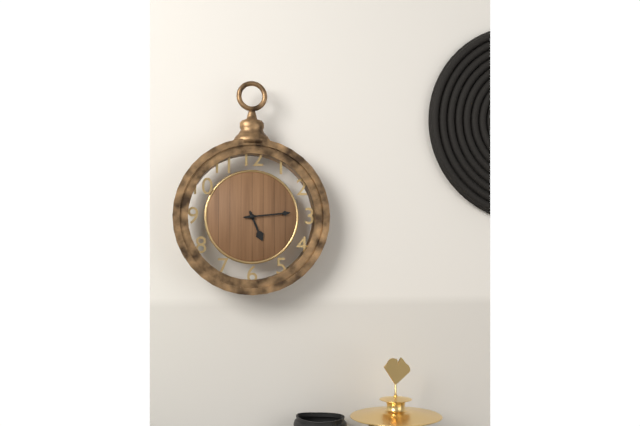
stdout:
h=5 m=14
